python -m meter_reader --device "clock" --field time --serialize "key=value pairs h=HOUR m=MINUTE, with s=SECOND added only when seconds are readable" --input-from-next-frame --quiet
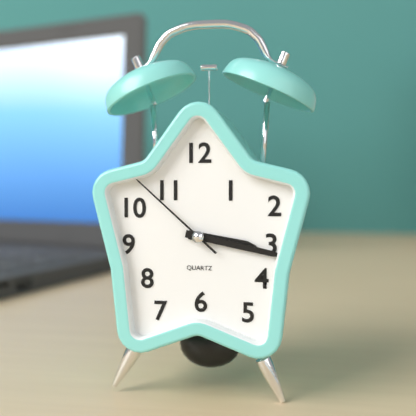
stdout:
h=3 m=17 s=52
